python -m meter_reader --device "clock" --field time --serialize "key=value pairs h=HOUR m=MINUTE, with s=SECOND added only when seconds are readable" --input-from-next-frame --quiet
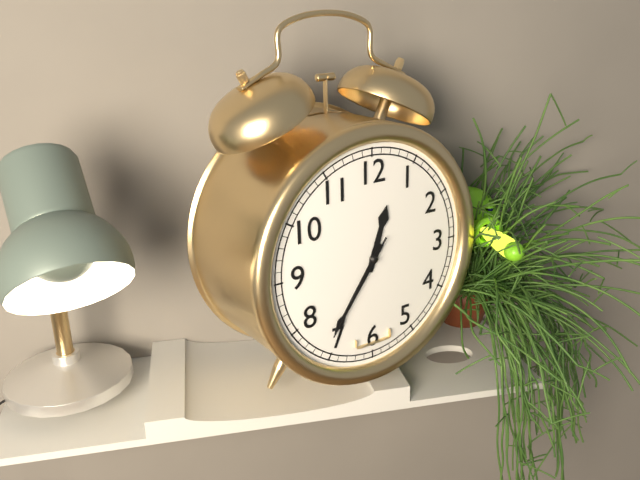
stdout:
h=12 m=36 s=36
